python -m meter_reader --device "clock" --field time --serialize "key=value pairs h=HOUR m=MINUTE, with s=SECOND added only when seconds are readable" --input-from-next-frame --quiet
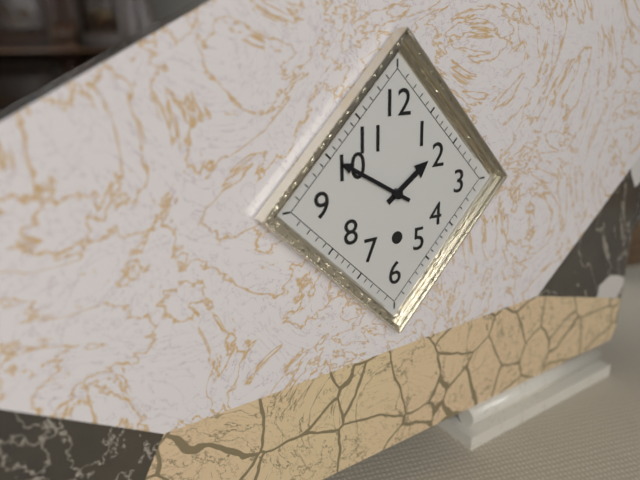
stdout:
h=1 m=50
